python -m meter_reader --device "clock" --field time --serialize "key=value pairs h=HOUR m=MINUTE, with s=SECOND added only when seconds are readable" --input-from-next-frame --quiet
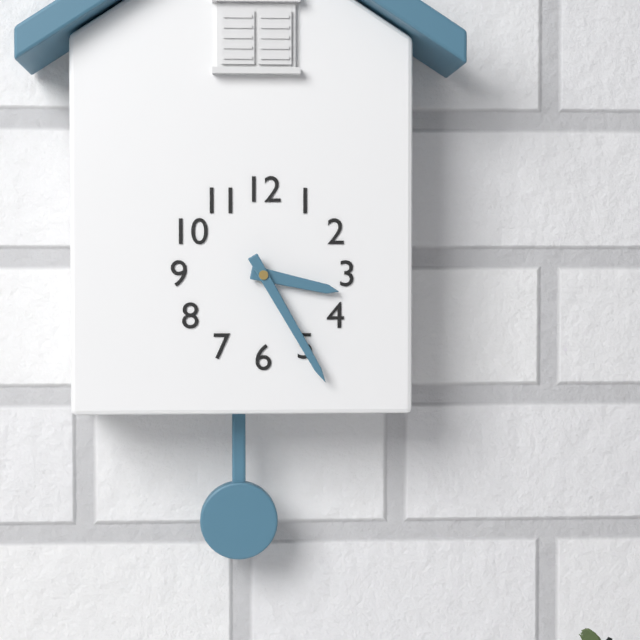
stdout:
h=3 m=25
